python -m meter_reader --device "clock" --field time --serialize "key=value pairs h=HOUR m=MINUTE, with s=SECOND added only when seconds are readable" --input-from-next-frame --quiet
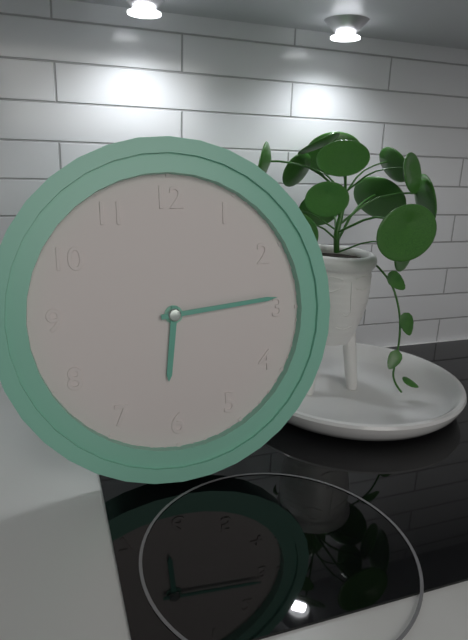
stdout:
h=6 m=14
